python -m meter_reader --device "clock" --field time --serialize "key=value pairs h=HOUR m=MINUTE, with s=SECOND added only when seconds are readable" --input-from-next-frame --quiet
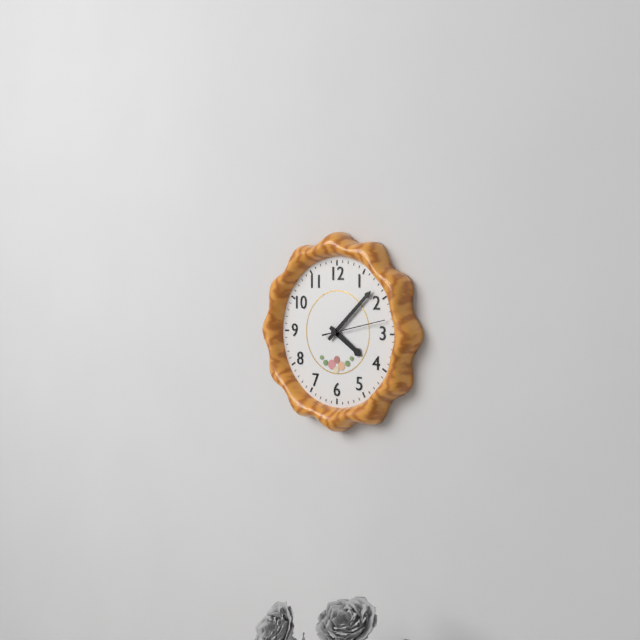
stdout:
h=4 m=8 s=13
